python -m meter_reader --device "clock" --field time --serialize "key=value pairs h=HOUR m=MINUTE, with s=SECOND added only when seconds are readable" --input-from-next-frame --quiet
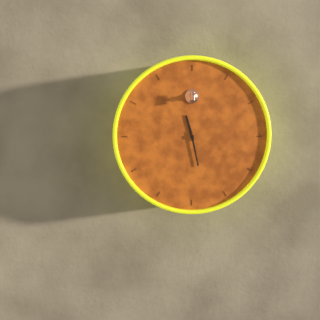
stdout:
h=11 m=28
